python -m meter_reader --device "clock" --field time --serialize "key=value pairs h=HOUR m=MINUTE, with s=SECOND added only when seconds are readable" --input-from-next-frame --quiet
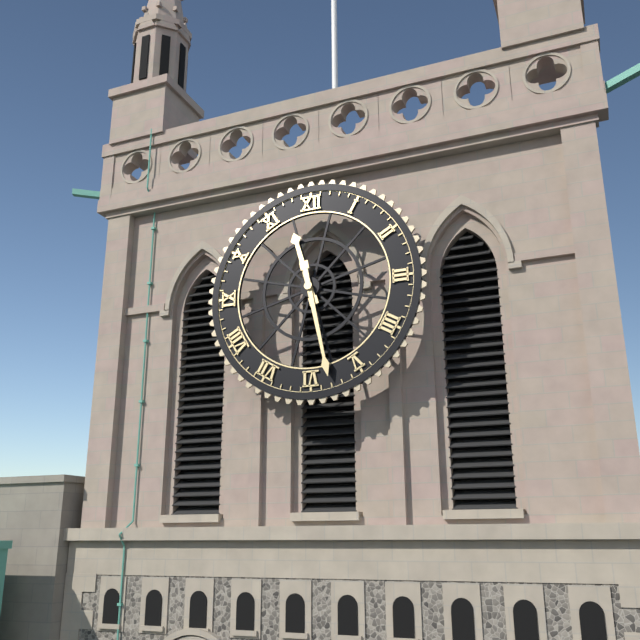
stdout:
h=11 m=28
